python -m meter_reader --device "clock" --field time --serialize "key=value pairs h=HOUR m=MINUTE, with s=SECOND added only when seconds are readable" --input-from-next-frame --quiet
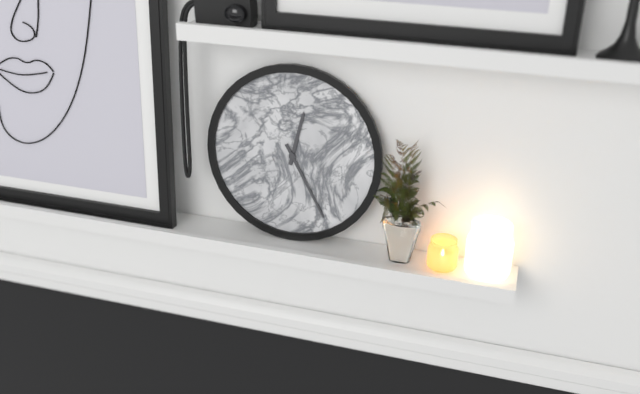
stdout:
h=12 m=25
